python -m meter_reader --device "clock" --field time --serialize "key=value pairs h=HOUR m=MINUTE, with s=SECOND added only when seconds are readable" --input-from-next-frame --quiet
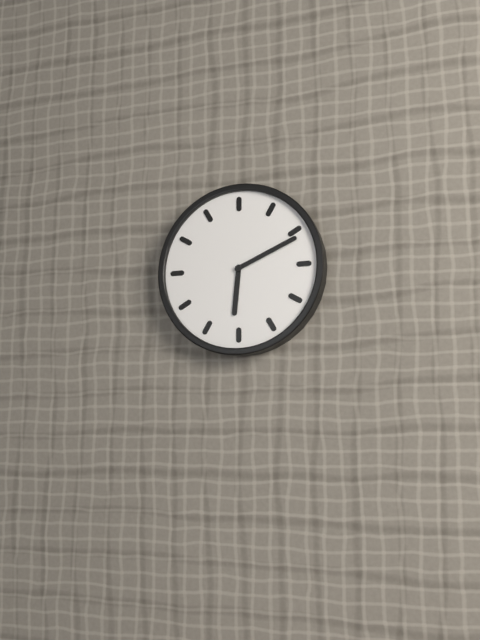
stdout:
h=6 m=11
